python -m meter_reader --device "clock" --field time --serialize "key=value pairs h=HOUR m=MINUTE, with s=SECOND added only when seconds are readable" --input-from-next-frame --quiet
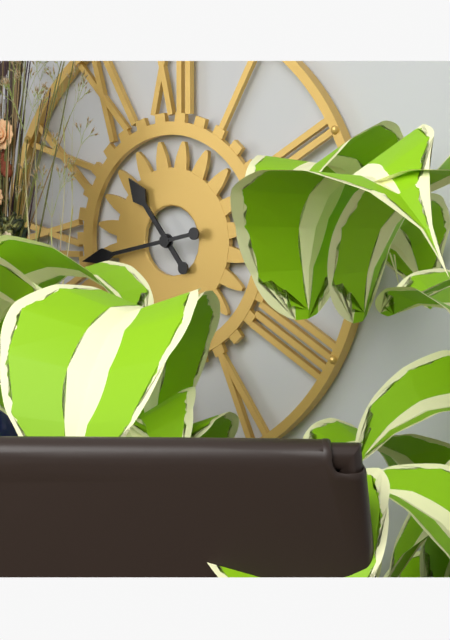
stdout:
h=10 m=43
